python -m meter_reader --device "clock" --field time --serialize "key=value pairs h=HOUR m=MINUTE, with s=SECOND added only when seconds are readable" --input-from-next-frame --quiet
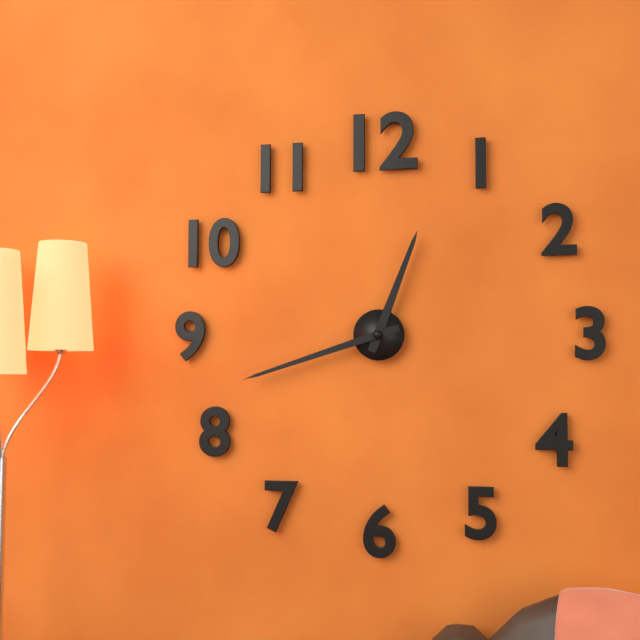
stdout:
h=12 m=42
